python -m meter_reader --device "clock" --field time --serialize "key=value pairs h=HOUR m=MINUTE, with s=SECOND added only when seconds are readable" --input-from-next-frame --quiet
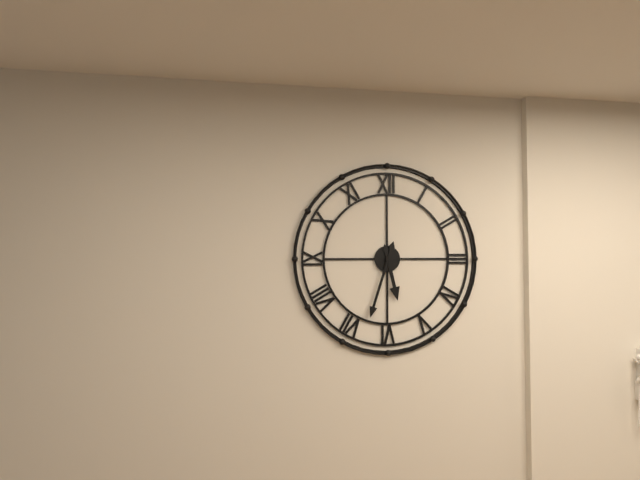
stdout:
h=5 m=33
